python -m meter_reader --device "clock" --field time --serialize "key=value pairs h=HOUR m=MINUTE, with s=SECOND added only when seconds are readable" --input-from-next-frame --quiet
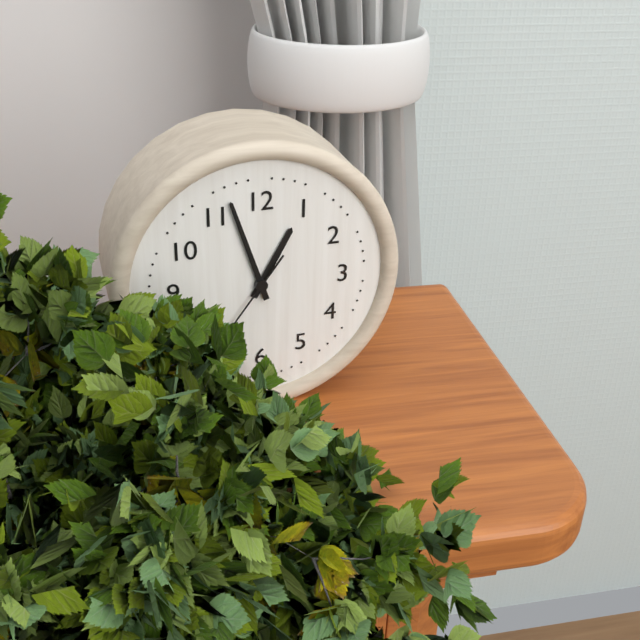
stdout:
h=12 m=57
